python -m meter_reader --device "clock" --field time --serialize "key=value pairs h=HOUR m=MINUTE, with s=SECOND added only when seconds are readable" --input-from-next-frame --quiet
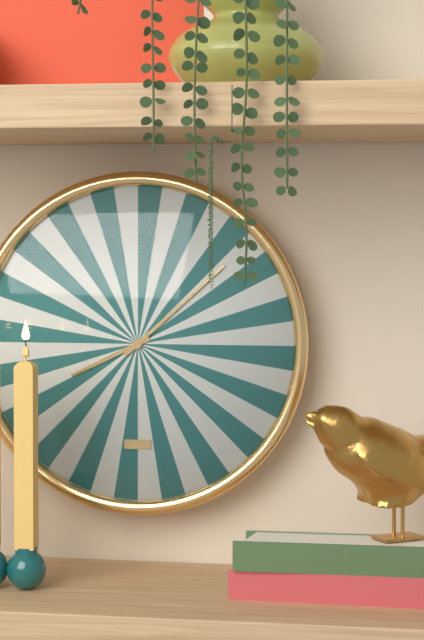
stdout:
h=8 m=8
